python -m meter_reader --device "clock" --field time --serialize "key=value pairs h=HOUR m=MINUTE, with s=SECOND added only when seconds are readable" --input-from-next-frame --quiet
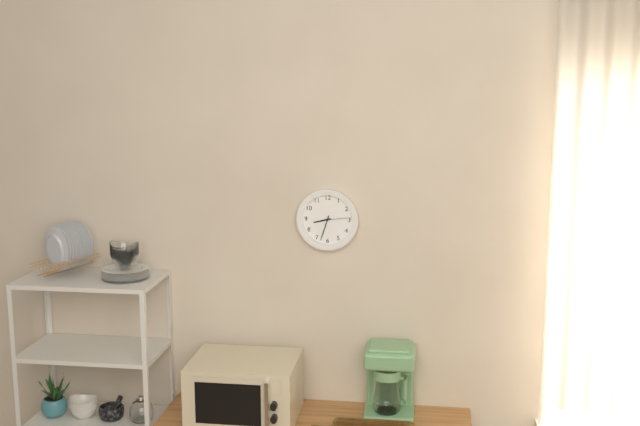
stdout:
h=8 m=33
